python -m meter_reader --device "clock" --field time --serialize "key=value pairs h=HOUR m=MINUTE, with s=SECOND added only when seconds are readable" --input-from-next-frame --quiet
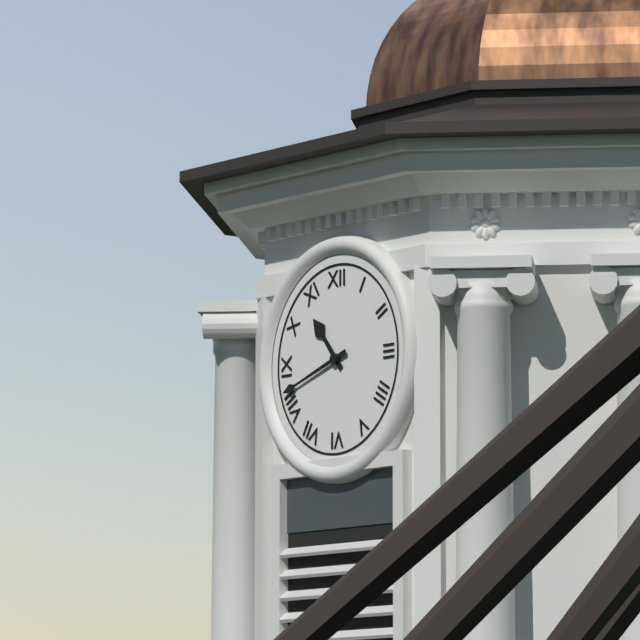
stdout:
h=10 m=42
